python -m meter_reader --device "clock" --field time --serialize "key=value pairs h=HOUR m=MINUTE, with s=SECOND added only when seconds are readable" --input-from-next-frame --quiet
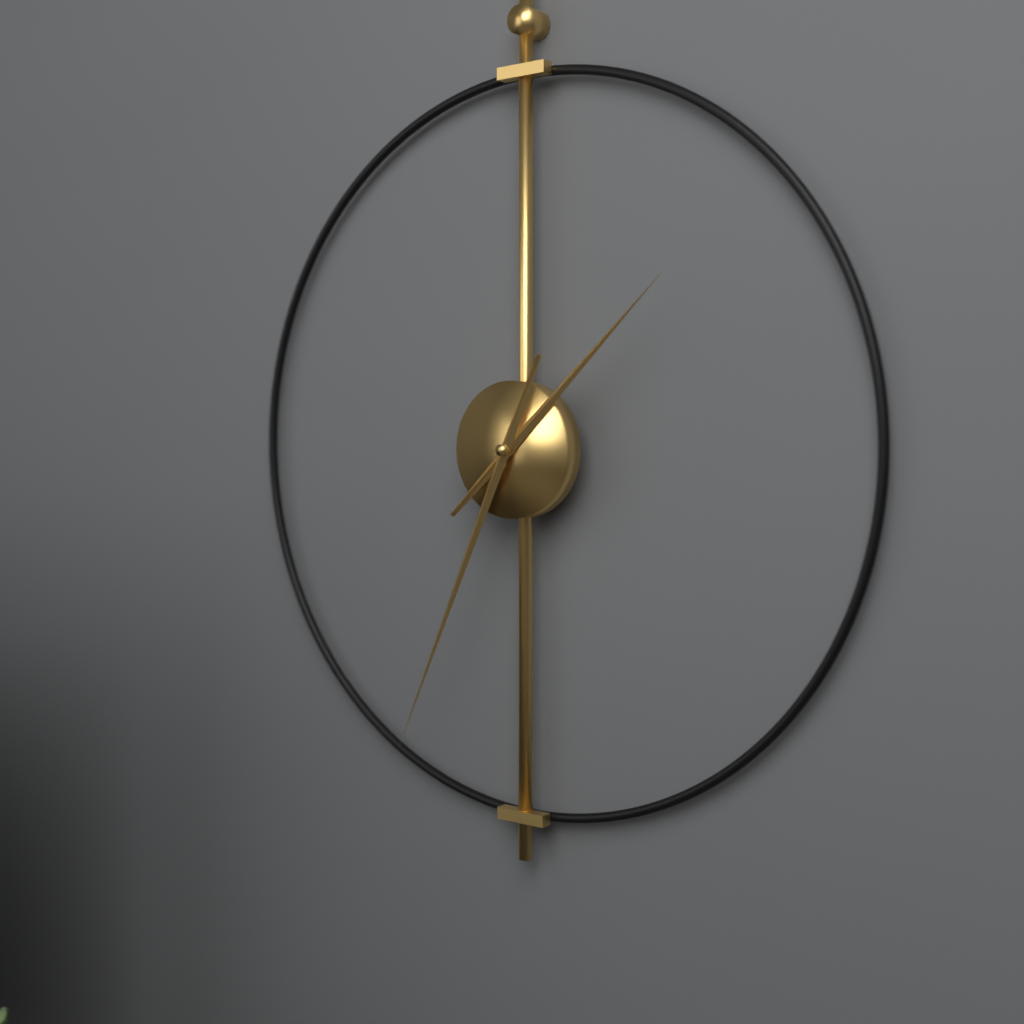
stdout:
h=1 m=34
